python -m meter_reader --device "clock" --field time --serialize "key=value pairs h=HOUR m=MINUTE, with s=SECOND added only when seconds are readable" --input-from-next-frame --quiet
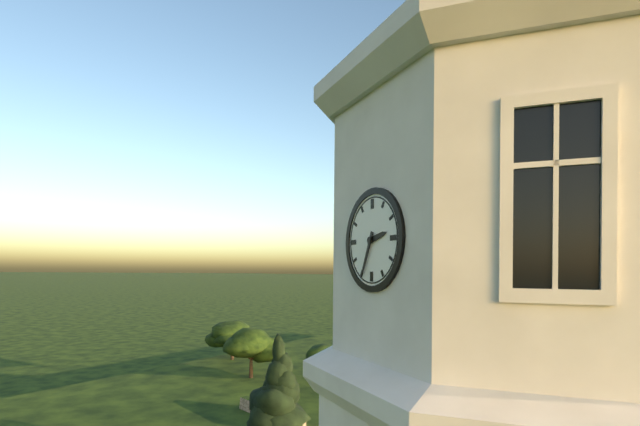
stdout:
h=2 m=34
